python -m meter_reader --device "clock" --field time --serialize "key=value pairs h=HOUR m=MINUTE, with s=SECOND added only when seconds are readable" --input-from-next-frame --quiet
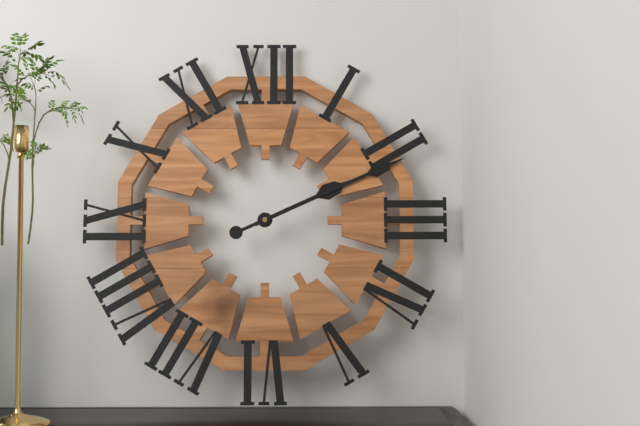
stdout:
h=2 m=11
